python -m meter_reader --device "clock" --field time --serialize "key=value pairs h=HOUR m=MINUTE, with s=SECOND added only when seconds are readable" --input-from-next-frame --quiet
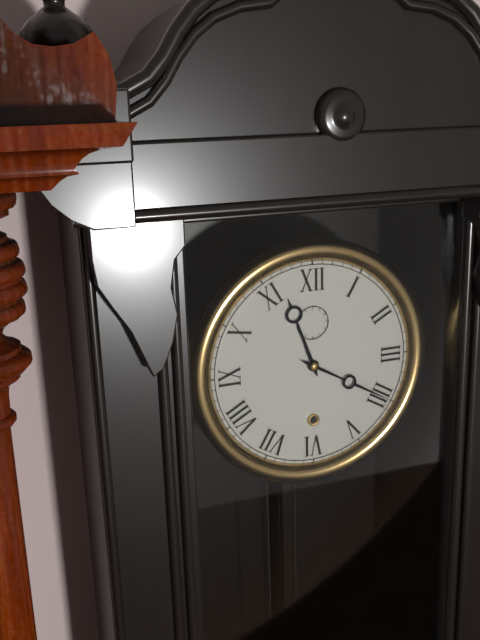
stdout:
h=11 m=20
